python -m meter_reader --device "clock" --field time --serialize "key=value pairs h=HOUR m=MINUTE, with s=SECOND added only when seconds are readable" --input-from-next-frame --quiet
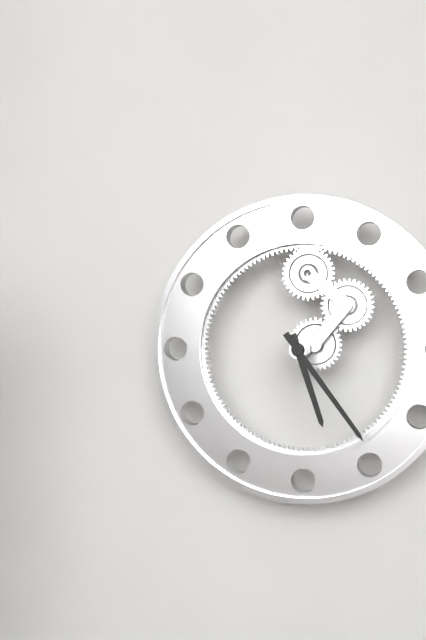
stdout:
h=5 m=24
